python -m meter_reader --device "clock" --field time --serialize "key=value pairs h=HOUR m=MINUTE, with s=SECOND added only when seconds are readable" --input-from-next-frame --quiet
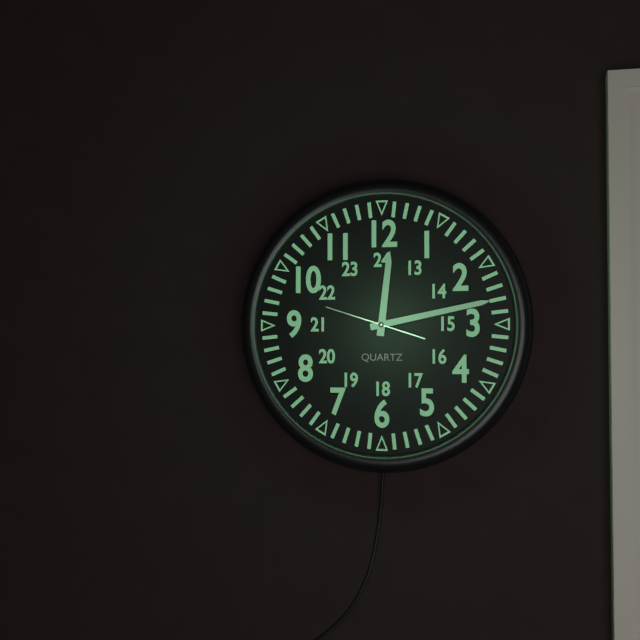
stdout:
h=12 m=13 s=48
